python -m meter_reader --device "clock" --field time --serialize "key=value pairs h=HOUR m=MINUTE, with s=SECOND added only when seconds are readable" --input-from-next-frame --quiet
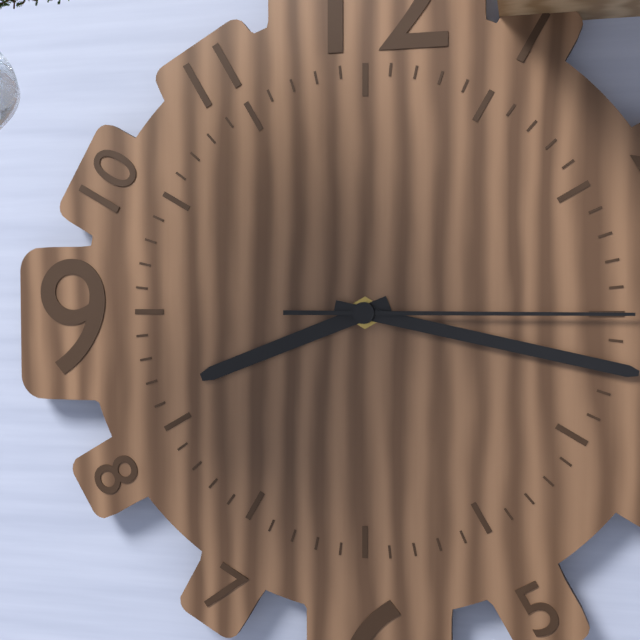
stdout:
h=8 m=17 s=15
